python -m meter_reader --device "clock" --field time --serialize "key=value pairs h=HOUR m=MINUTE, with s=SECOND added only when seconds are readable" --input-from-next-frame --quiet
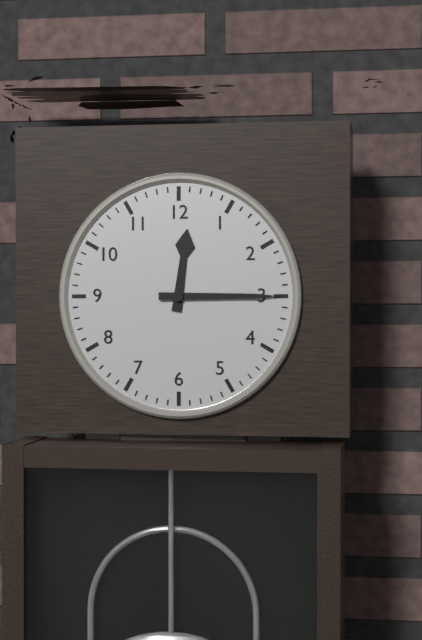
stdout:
h=12 m=15
